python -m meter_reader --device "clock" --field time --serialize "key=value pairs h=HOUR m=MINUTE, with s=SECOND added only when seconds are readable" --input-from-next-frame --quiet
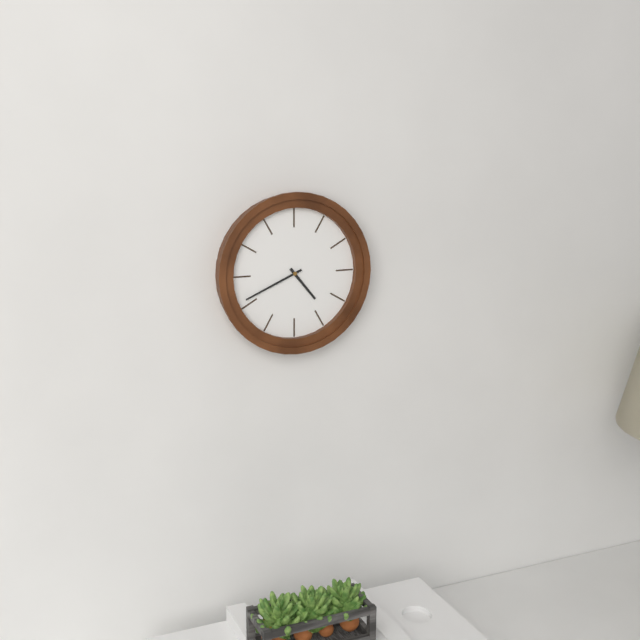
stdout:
h=4 m=41
